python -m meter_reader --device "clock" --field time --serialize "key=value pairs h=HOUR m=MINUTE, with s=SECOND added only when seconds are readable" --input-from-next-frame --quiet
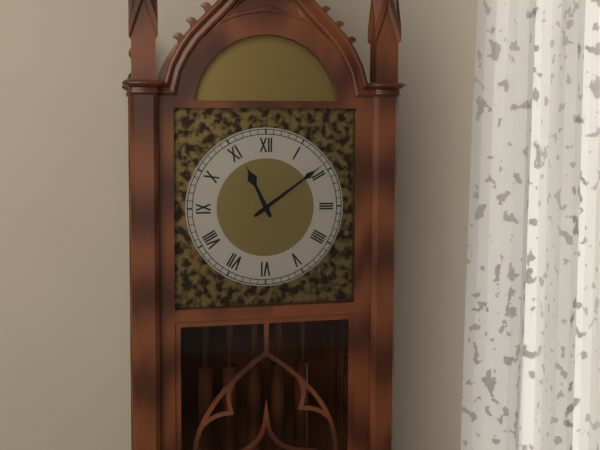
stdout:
h=11 m=9
